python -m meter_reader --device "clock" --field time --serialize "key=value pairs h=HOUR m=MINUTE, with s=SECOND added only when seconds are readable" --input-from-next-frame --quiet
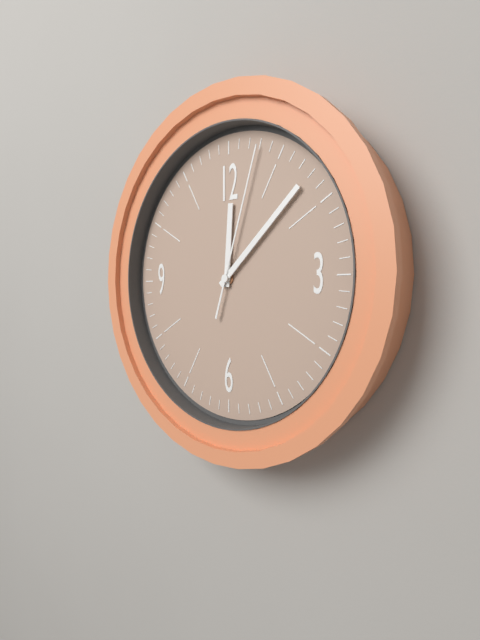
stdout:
h=12 m=8 s=3
